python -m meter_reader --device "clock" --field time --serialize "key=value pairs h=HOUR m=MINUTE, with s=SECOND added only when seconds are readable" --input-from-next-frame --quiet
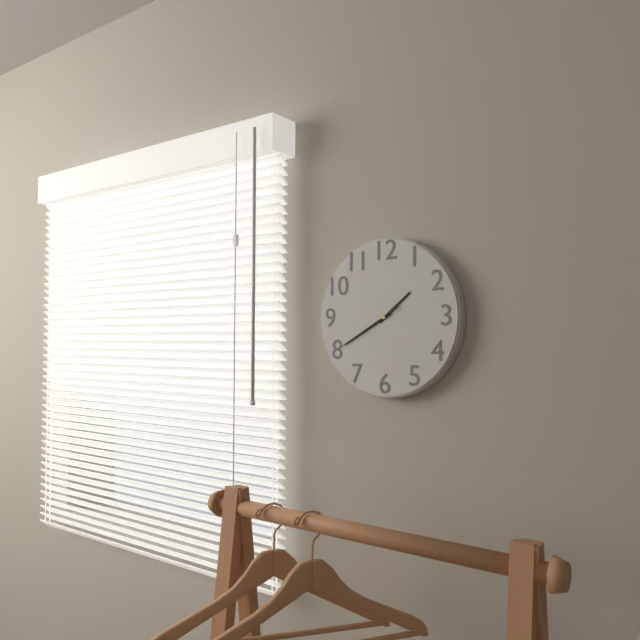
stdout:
h=1 m=40 s=40
